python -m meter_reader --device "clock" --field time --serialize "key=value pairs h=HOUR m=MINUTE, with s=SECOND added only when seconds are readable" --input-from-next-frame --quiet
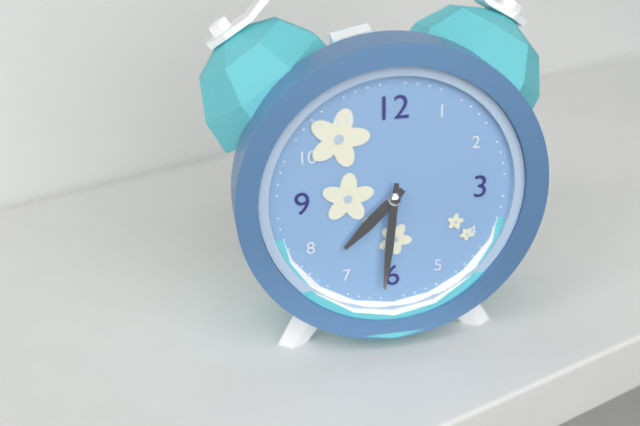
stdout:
h=7 m=31
